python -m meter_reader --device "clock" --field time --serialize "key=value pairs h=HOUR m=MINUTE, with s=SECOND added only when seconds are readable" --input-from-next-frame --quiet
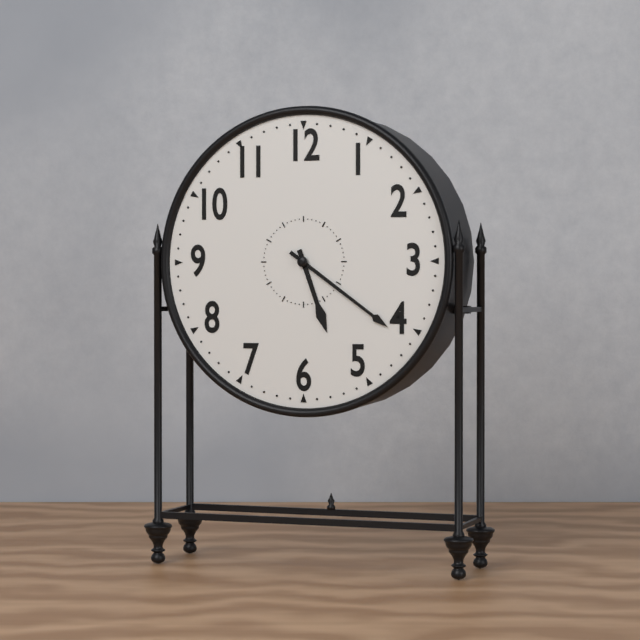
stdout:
h=5 m=21
